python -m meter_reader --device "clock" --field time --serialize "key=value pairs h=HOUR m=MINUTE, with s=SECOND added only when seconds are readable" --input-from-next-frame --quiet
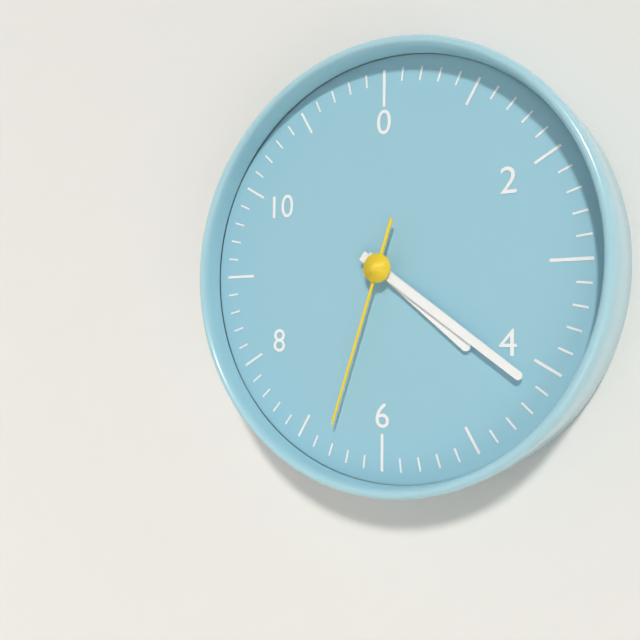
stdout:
h=4 m=21 s=33
